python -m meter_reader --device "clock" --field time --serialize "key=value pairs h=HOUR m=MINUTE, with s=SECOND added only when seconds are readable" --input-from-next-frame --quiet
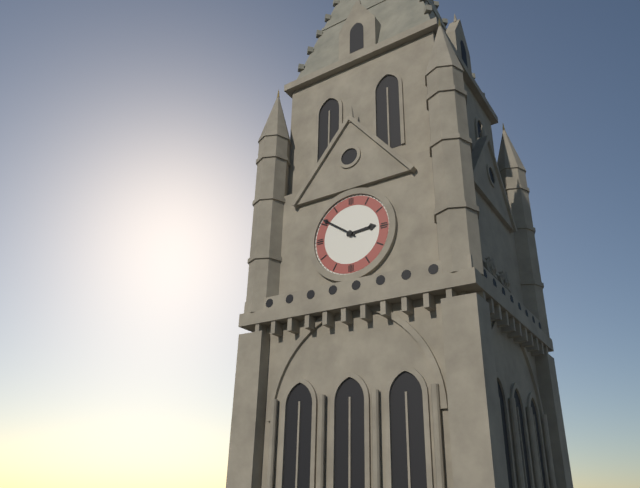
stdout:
h=2 m=51
